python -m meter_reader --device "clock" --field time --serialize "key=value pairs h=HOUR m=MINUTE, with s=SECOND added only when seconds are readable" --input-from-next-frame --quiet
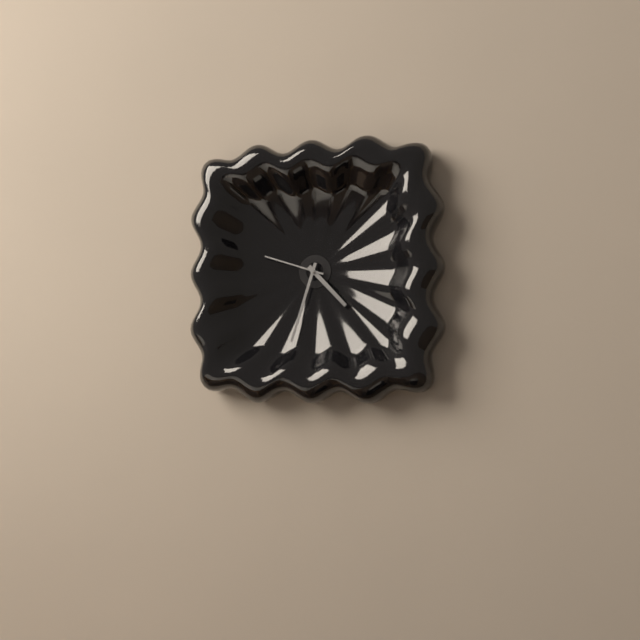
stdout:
h=4 m=33 s=48
